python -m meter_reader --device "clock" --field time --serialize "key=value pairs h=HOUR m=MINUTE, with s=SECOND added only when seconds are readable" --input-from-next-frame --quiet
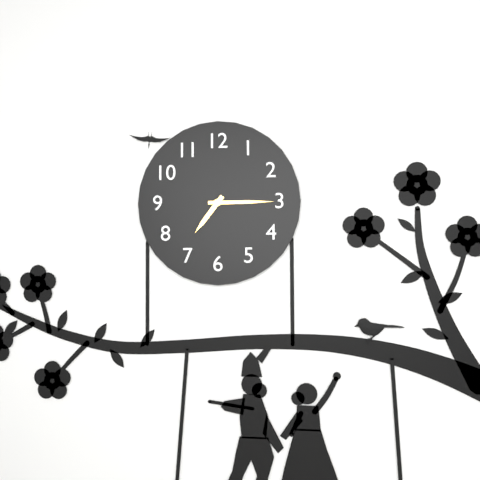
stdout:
h=7 m=15
